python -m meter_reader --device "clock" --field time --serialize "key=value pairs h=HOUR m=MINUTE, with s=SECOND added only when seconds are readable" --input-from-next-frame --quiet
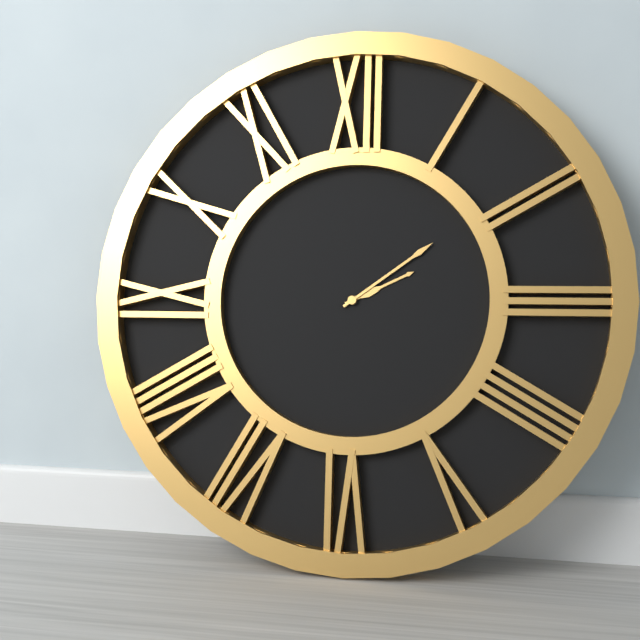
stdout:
h=2 m=9
